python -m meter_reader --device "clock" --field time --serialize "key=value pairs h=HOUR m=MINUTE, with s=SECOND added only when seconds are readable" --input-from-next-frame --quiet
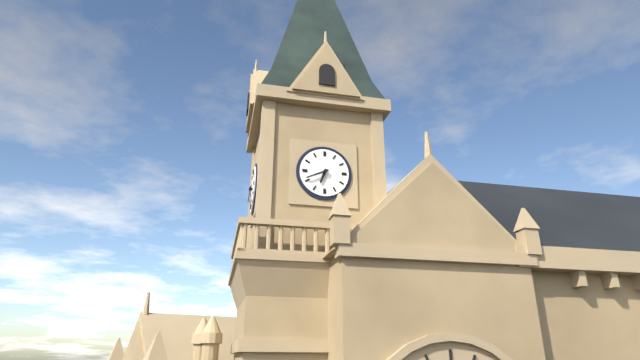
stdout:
h=6 m=41
